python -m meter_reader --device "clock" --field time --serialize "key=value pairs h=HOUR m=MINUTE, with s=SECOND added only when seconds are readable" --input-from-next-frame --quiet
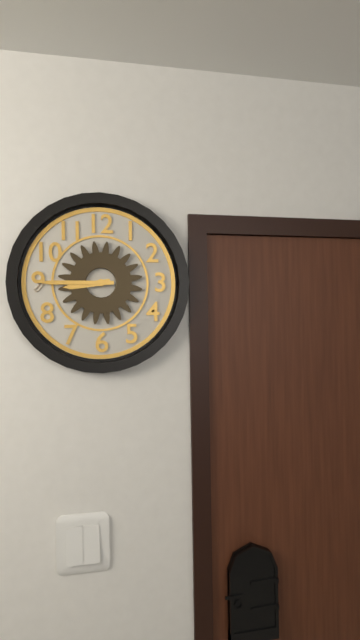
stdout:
h=8 m=45
